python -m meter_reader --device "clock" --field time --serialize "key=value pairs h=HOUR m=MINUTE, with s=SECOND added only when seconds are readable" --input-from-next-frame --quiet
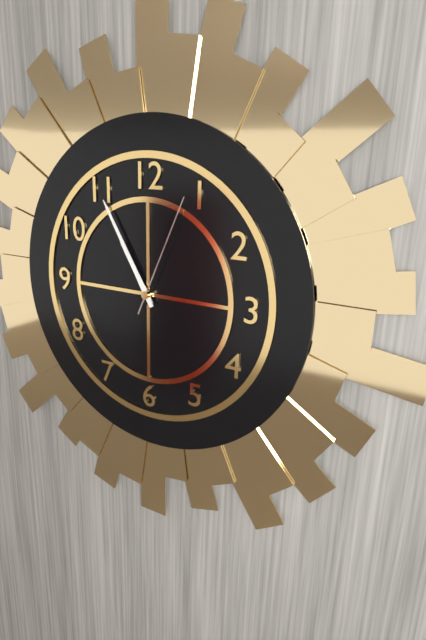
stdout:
h=10 m=55 s=4
